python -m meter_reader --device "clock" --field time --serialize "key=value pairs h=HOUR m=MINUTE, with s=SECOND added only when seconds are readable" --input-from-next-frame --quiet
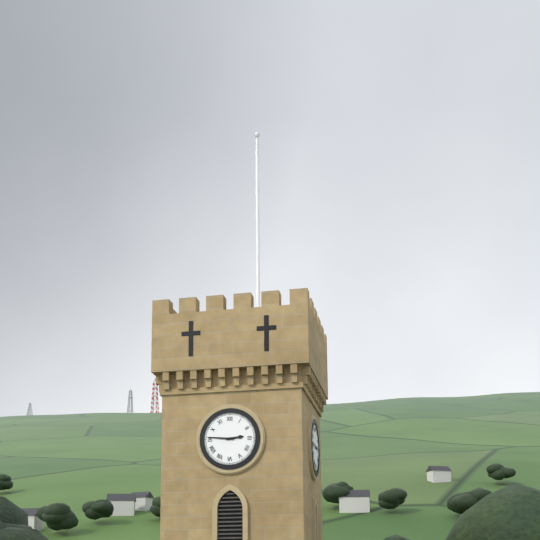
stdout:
h=2 m=46
